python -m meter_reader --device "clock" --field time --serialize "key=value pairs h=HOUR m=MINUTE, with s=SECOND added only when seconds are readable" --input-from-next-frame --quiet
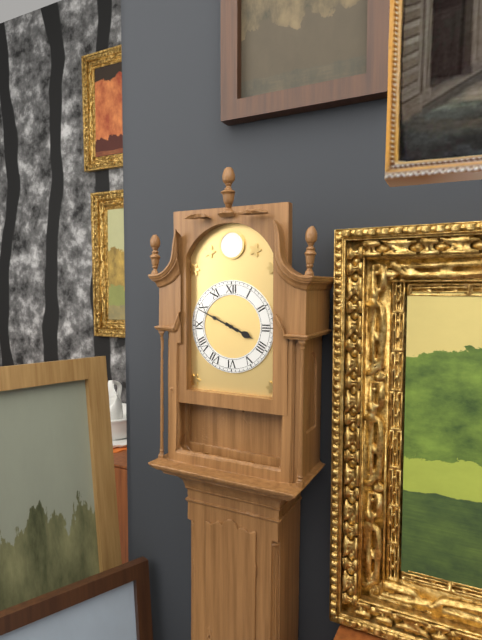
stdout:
h=3 m=49
